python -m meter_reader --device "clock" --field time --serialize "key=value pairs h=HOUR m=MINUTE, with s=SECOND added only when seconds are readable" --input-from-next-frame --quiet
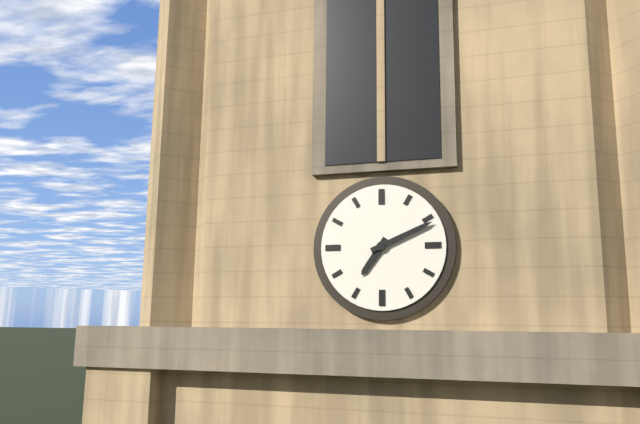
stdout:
h=7 m=11
